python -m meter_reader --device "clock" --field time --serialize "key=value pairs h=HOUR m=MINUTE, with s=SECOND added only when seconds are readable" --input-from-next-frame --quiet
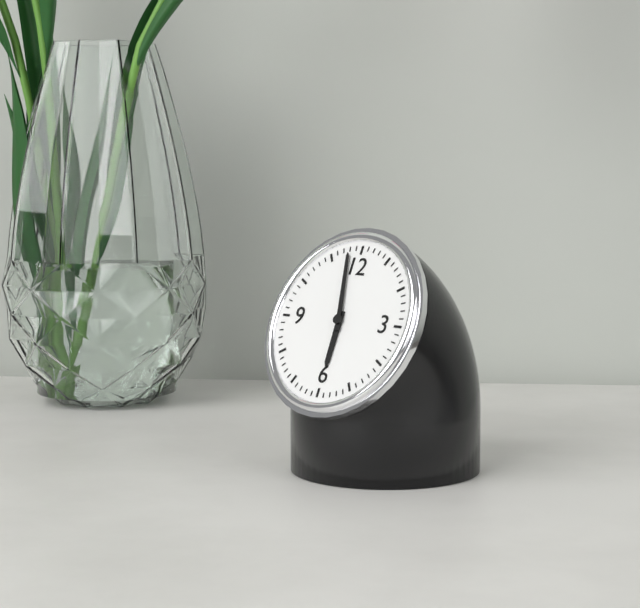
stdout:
h=5 m=58
